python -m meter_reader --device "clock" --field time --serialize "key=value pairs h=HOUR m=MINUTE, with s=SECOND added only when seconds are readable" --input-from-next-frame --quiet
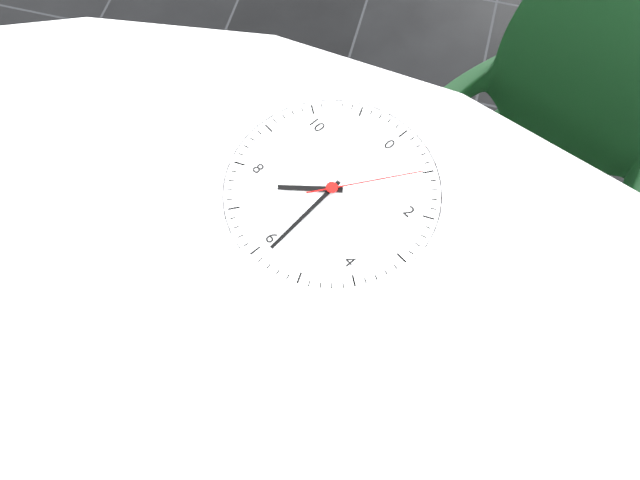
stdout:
h=7 m=29 s=5
